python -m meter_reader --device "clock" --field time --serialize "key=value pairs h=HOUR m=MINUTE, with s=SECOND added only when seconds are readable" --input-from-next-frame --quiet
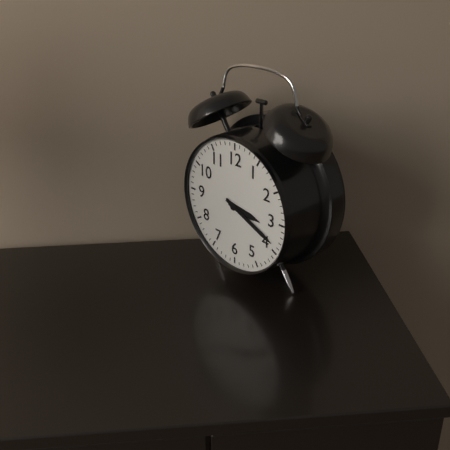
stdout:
h=3 m=19
